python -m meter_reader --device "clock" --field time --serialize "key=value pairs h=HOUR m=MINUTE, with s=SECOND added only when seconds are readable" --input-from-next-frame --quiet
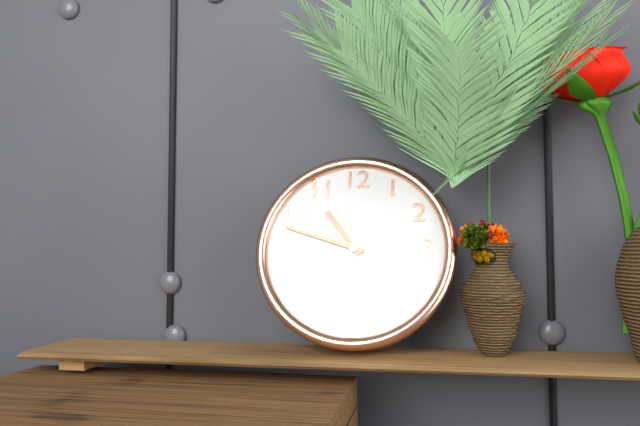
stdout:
h=10 m=48
